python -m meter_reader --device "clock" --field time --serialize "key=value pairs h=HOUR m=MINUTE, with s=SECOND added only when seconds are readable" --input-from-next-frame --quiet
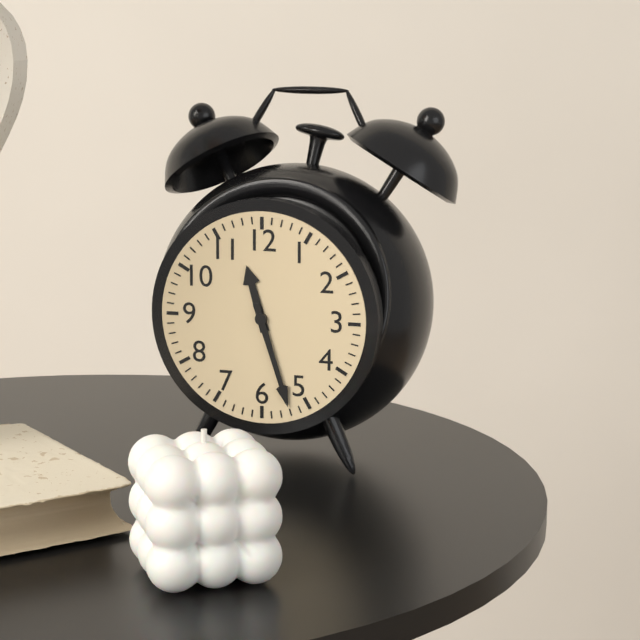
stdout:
h=11 m=27
